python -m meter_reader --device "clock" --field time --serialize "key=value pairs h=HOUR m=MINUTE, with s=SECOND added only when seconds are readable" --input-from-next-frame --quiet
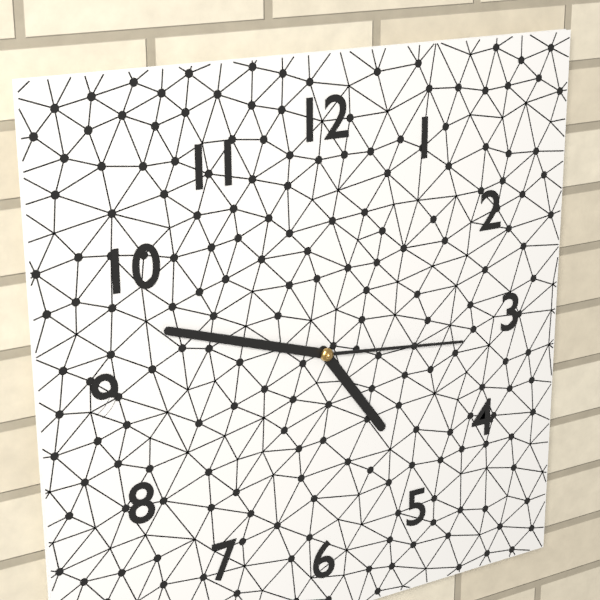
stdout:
h=4 m=48 s=16
